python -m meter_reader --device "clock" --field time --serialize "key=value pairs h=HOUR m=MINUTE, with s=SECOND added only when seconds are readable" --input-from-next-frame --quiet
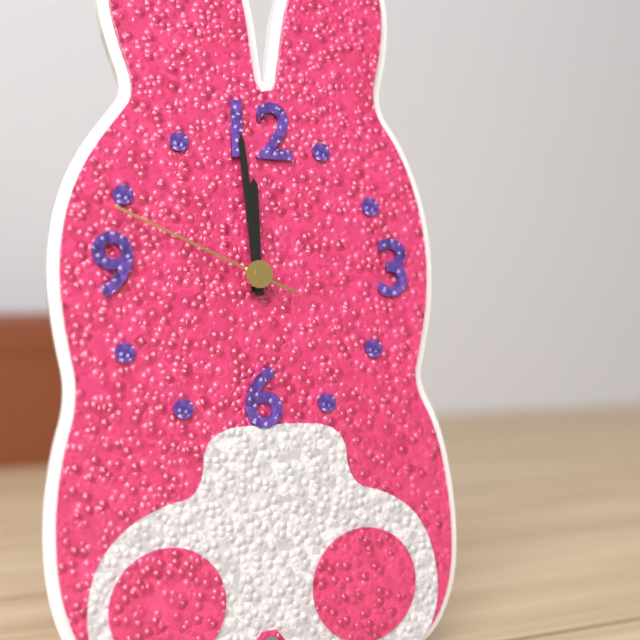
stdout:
h=11 m=59 s=49
